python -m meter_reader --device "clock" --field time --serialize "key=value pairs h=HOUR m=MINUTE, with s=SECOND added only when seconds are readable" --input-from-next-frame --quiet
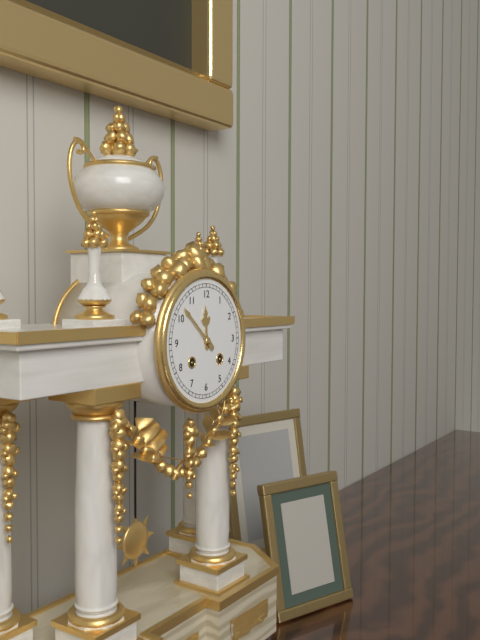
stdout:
h=11 m=52
